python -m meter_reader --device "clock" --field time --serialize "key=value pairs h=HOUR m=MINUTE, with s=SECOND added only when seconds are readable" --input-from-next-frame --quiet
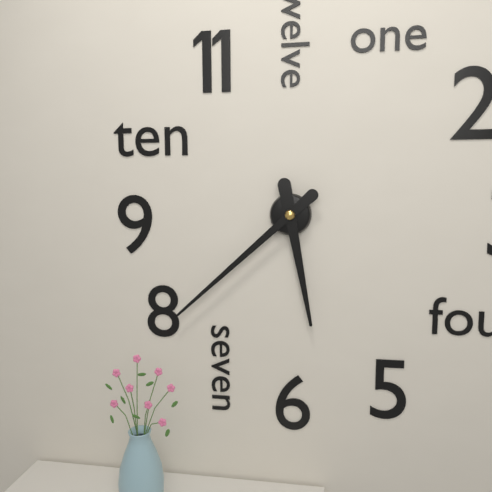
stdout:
h=5 m=38
